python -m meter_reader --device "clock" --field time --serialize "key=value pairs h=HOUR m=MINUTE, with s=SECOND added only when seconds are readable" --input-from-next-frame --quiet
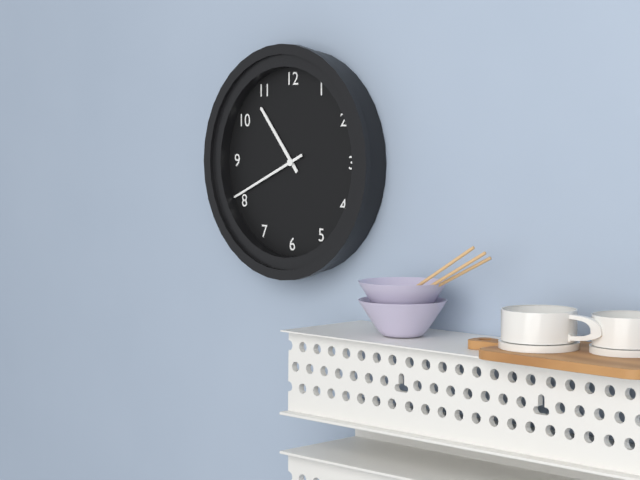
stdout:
h=10 m=41
